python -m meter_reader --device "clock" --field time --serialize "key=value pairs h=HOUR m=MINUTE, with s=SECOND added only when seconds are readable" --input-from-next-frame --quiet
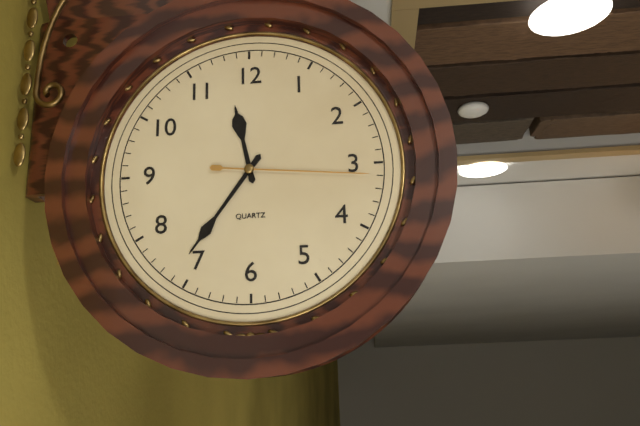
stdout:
h=11 m=36 s=16
